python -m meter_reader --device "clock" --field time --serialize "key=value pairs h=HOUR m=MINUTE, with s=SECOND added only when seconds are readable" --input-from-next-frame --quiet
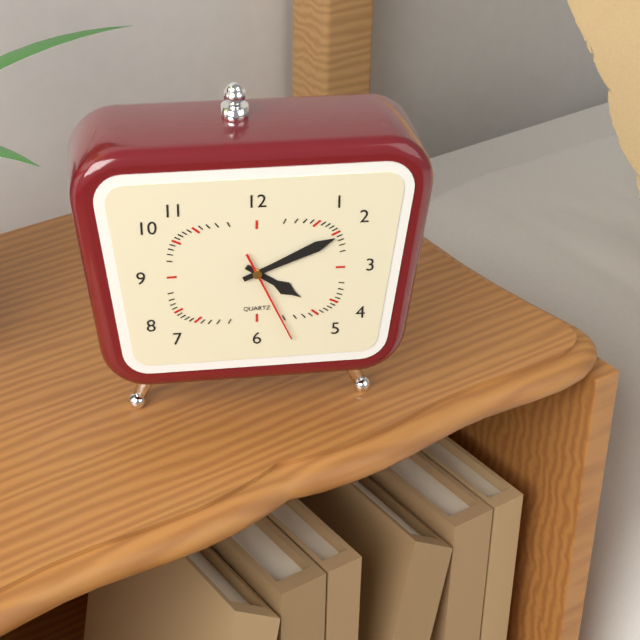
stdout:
h=4 m=11 s=26
